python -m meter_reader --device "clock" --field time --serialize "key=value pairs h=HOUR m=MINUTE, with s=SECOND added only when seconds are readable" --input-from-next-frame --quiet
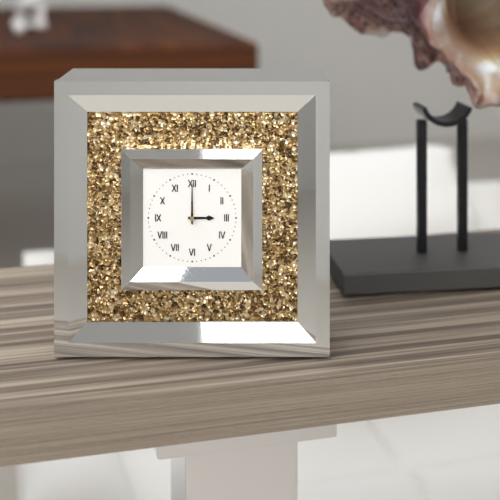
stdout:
h=3 m=0
